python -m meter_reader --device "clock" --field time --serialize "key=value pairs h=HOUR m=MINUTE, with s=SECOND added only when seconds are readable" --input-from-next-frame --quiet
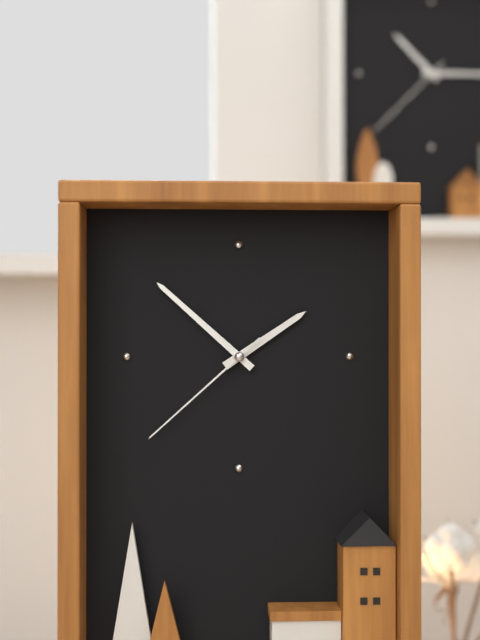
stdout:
h=1 m=52 s=38
